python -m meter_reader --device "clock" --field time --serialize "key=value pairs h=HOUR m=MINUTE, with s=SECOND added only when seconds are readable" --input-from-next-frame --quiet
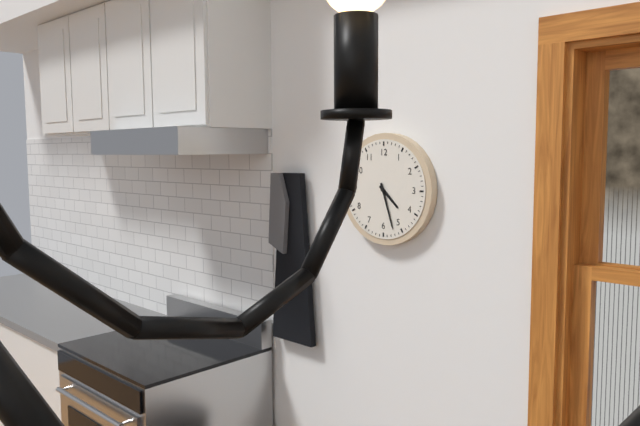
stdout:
h=4 m=27
